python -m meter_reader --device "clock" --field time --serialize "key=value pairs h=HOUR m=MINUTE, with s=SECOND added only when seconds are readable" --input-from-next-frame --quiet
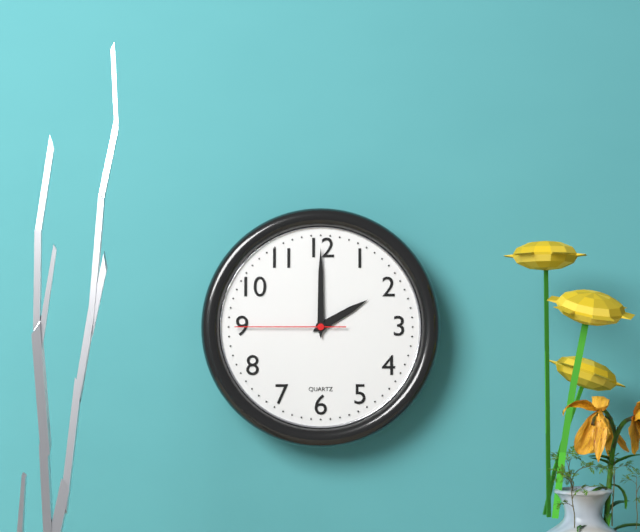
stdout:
h=2 m=0 s=45
